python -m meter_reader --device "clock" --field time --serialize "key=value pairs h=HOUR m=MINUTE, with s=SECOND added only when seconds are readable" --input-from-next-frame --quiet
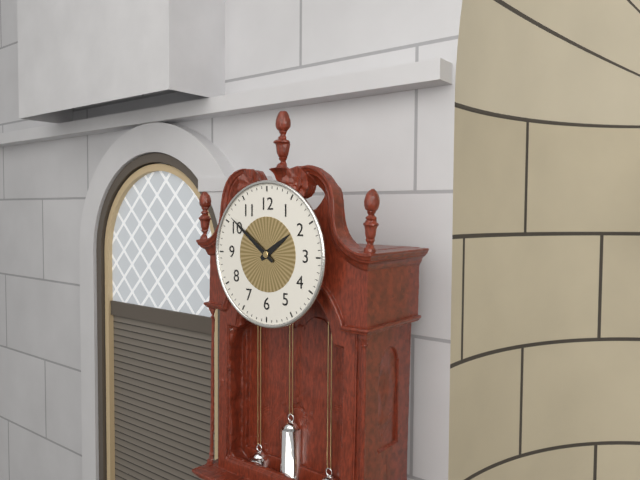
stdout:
h=1 m=51
